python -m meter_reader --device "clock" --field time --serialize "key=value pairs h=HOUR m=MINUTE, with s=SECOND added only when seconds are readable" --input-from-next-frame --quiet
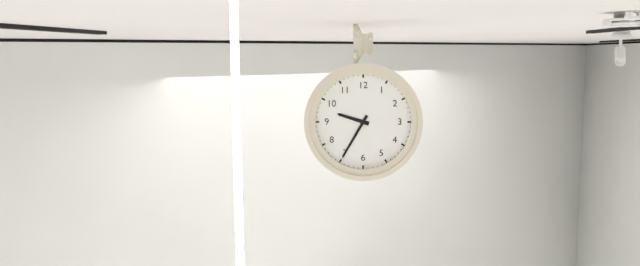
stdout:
h=9 m=35
